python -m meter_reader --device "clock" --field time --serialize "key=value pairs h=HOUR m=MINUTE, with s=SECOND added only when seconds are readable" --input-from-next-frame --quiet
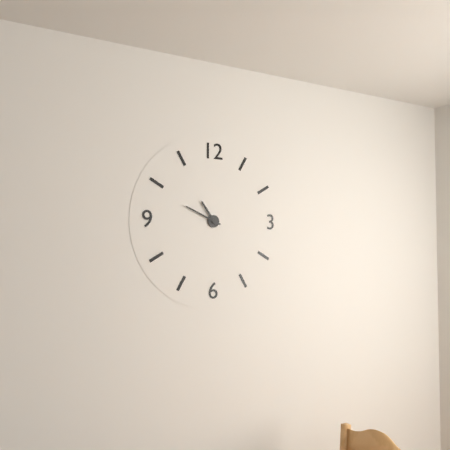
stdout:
h=10 m=49
